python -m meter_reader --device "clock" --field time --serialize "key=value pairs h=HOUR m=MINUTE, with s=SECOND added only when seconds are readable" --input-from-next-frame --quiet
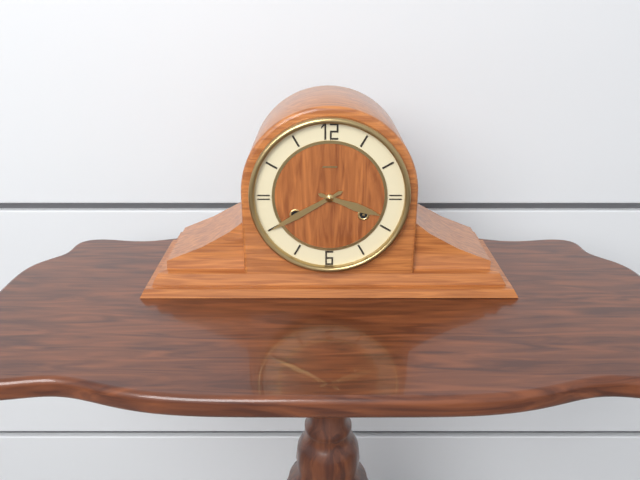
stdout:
h=3 m=40
